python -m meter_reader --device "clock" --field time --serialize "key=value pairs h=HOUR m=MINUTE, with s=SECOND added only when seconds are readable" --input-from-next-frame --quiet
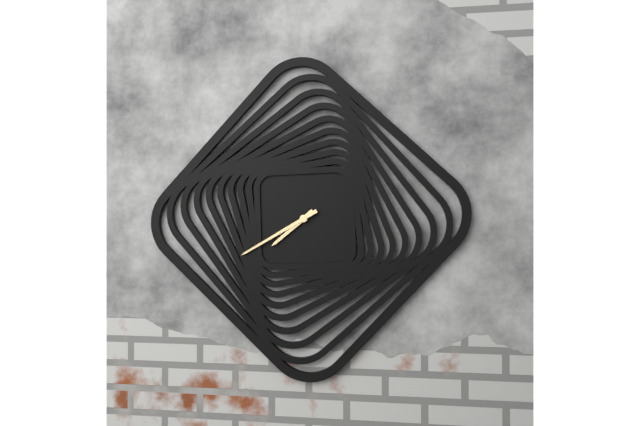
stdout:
h=7 m=40
